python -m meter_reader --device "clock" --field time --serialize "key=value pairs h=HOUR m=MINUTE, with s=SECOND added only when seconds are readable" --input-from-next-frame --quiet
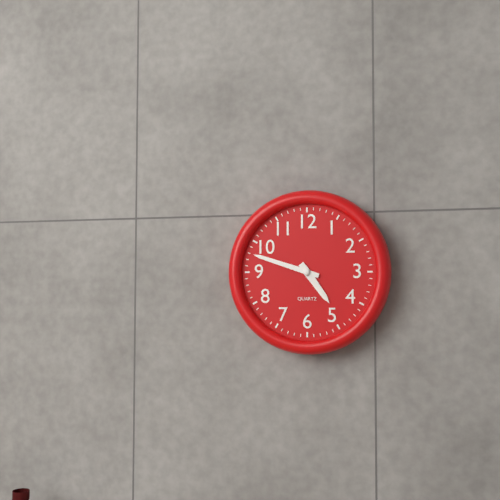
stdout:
h=4 m=48
